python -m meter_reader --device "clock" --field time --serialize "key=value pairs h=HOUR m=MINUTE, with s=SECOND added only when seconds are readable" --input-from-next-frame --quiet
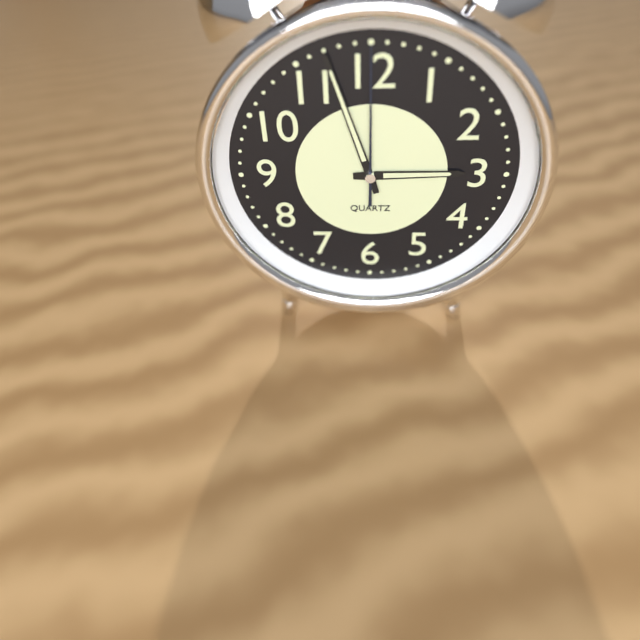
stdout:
h=2 m=57 s=0
